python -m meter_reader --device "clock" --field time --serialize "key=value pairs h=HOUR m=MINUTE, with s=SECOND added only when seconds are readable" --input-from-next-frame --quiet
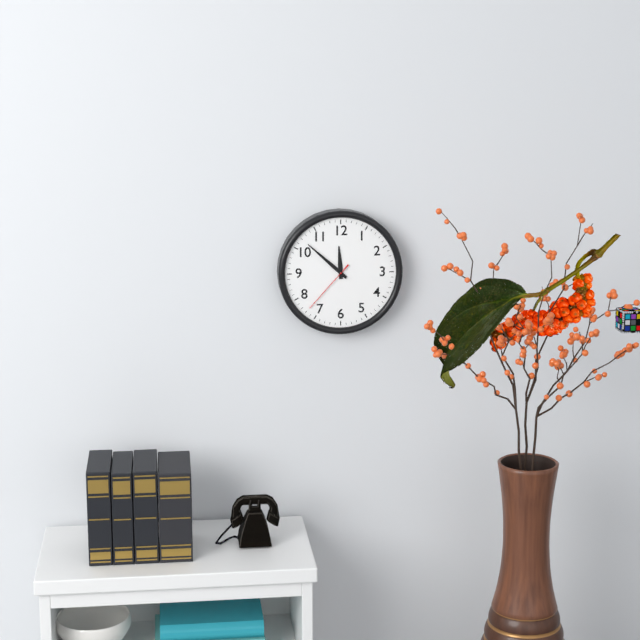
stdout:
h=11 m=52 s=37
